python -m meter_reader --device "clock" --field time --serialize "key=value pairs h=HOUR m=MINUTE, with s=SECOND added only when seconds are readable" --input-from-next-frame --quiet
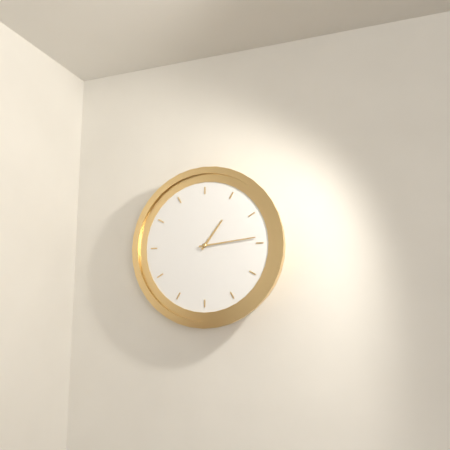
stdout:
h=1 m=14
